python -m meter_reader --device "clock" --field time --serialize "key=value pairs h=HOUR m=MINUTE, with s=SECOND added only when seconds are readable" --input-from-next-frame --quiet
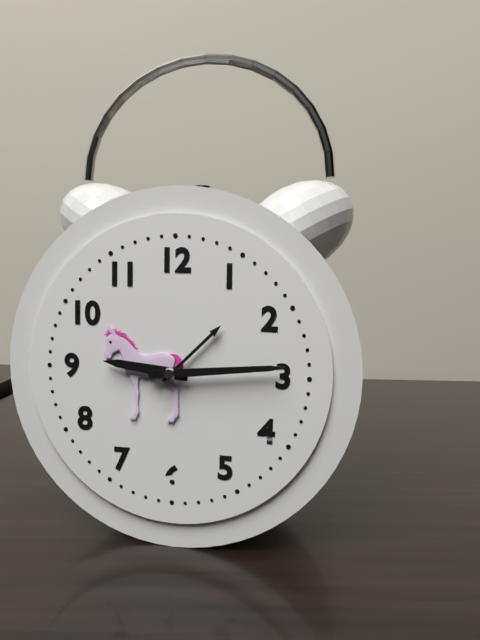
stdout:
h=9 m=14
